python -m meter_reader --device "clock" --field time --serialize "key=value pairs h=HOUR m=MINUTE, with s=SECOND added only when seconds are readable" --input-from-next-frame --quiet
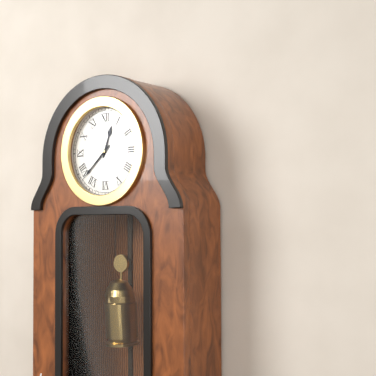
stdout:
h=12 m=38
